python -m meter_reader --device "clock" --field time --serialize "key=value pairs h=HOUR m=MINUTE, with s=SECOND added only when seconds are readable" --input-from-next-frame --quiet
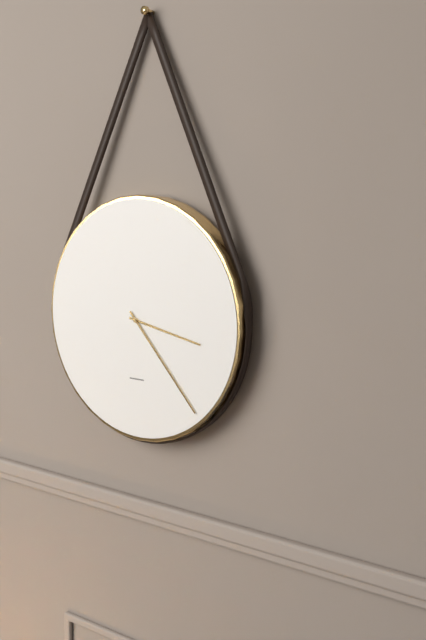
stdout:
h=3 m=23
